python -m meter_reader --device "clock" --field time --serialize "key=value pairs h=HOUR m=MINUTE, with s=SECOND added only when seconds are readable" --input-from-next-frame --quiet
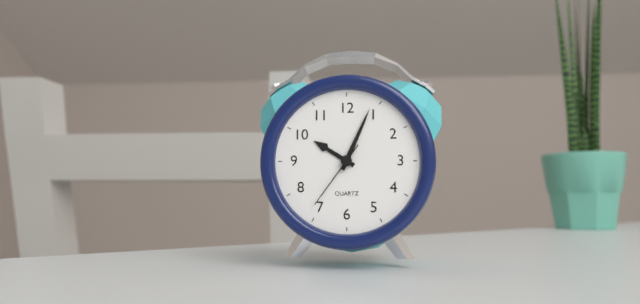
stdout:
h=10 m=4 s=36
